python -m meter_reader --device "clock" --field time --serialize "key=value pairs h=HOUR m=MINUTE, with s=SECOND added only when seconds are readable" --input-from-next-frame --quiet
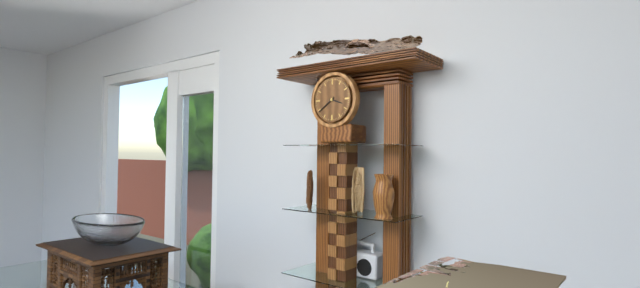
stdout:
h=3 m=39
